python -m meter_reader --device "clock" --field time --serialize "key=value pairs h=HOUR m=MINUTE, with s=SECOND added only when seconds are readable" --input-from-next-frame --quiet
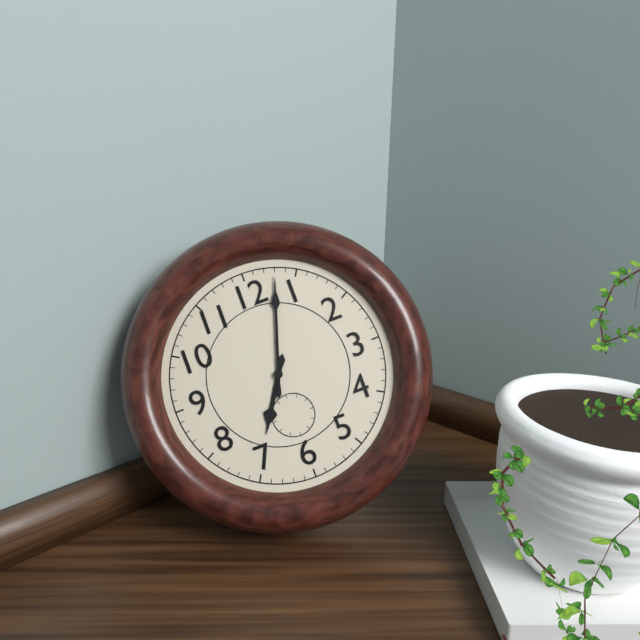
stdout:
h=7 m=3
